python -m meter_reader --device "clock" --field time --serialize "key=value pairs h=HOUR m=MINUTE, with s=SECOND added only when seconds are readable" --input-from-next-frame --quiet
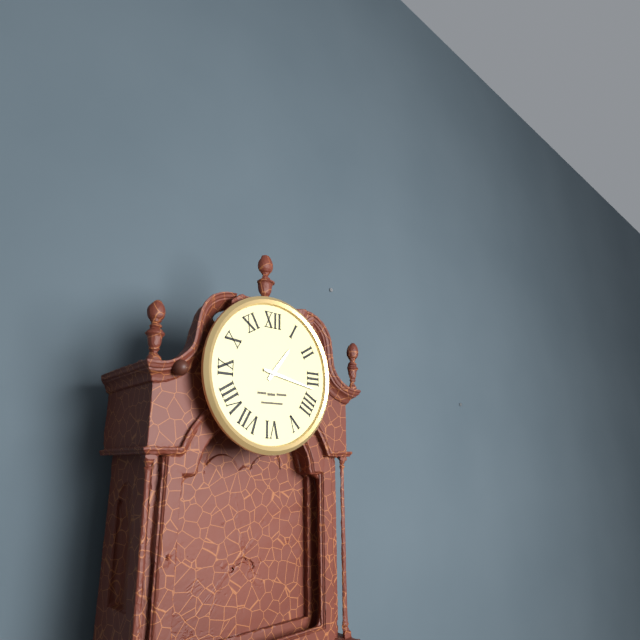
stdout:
h=1 m=17
